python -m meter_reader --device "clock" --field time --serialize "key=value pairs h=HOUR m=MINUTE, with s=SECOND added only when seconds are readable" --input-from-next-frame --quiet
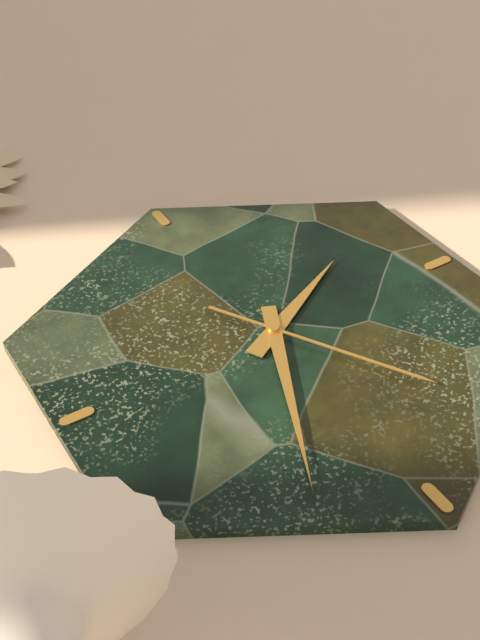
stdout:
h=8 m=4 s=55
